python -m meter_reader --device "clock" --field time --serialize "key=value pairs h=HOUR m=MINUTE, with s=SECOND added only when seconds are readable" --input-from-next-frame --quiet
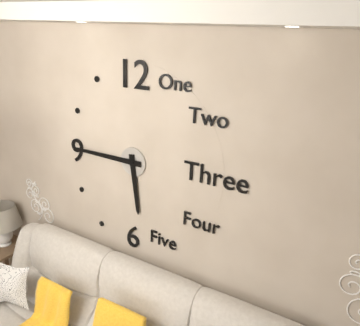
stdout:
h=5 m=45
